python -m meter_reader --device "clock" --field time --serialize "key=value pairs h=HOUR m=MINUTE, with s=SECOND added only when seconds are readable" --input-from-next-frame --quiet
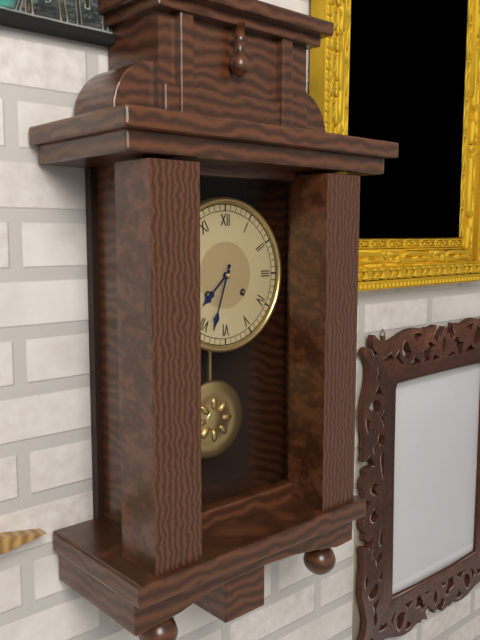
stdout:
h=7 m=33
